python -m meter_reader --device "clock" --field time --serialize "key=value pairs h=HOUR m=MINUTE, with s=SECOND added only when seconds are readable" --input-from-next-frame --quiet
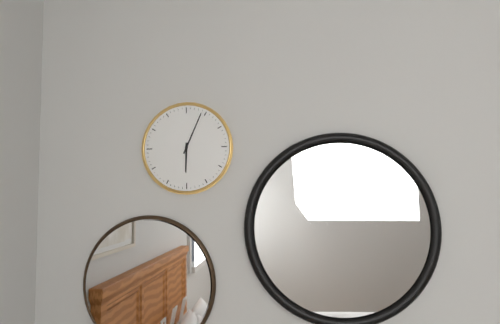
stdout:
h=6 m=4
